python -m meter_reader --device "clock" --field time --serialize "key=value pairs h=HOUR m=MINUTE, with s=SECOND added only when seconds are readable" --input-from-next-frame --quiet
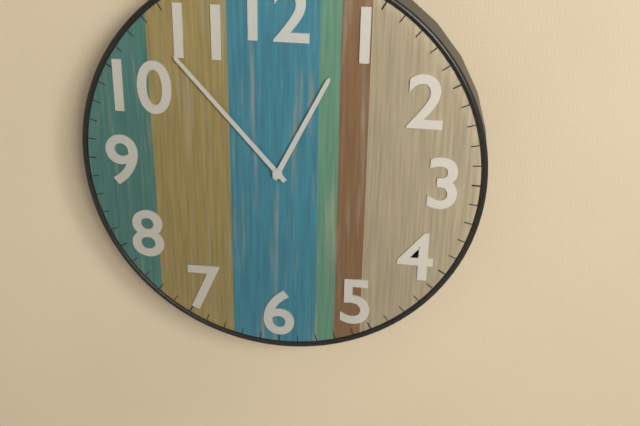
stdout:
h=12 m=53
